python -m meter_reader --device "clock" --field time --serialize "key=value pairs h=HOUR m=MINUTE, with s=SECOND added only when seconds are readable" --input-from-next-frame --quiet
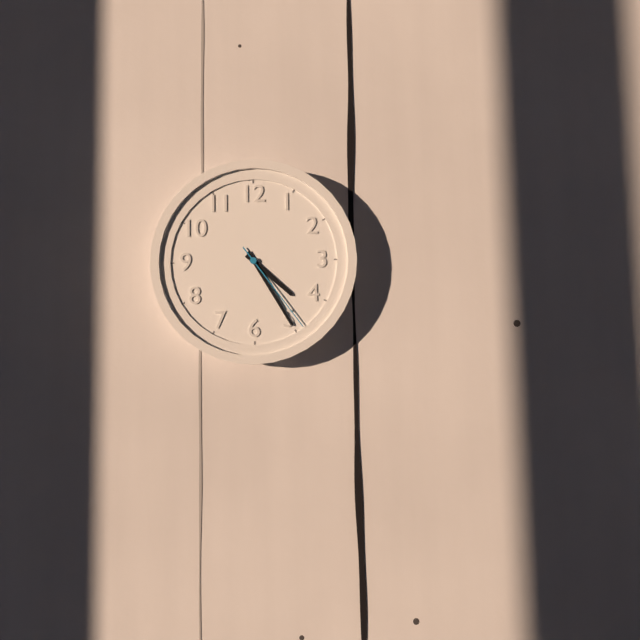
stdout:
h=4 m=25 s=24
